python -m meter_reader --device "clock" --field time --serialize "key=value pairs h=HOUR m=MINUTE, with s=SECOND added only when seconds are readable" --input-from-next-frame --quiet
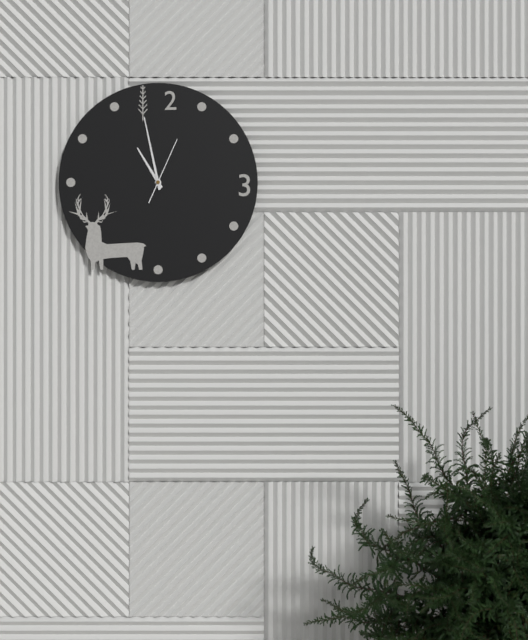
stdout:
h=10 m=58 s=4
